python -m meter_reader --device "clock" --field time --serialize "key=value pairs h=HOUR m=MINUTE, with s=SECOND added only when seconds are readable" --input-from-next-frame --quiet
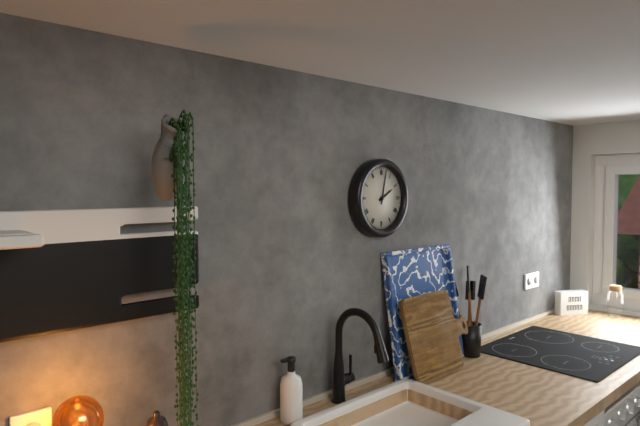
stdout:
h=2 m=2
